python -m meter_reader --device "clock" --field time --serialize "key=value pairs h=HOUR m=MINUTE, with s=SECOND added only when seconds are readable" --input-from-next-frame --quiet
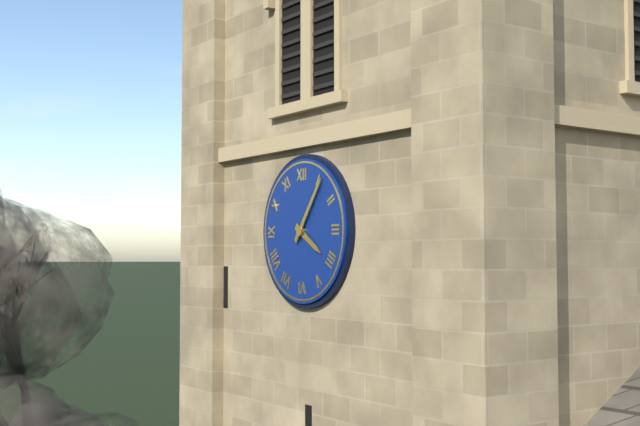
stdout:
h=4 m=6
